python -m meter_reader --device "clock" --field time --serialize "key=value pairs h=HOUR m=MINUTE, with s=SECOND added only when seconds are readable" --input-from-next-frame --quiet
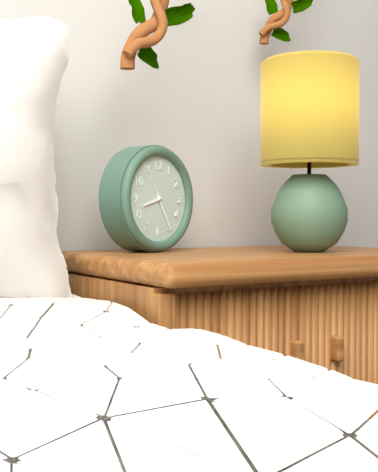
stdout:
h=8 m=25
